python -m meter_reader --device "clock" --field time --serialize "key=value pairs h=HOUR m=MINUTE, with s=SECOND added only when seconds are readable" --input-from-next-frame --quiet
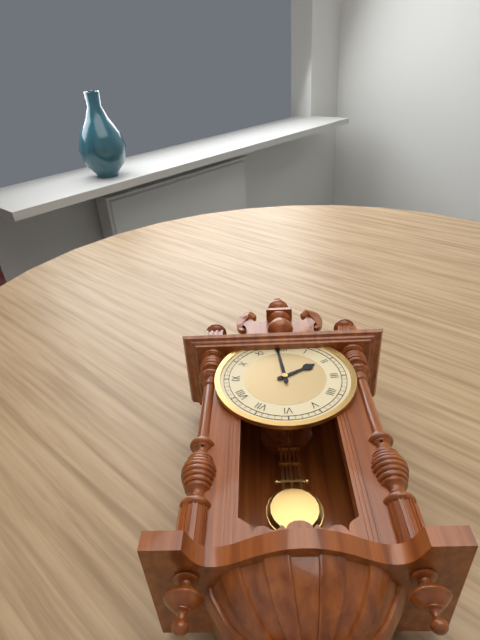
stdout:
h=1 m=59
